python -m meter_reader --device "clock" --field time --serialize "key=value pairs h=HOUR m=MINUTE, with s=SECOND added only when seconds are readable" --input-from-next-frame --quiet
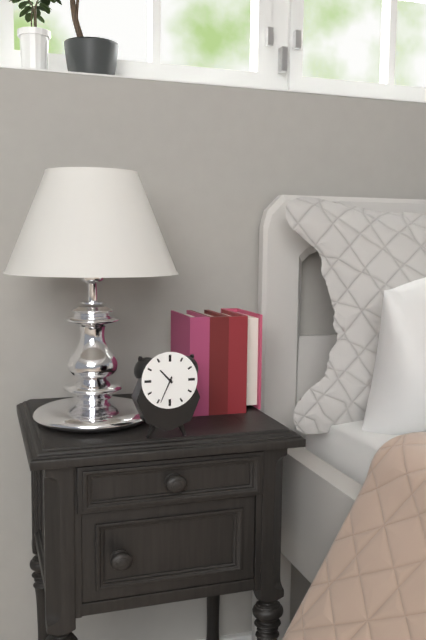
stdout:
h=10 m=34
